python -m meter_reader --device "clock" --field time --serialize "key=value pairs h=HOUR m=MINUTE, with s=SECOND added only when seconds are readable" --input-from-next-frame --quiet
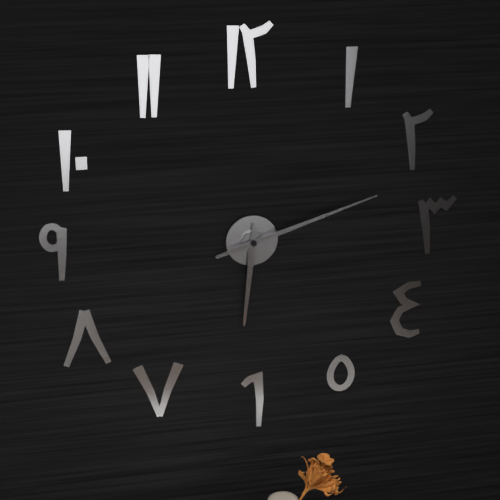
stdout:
h=6 m=12
